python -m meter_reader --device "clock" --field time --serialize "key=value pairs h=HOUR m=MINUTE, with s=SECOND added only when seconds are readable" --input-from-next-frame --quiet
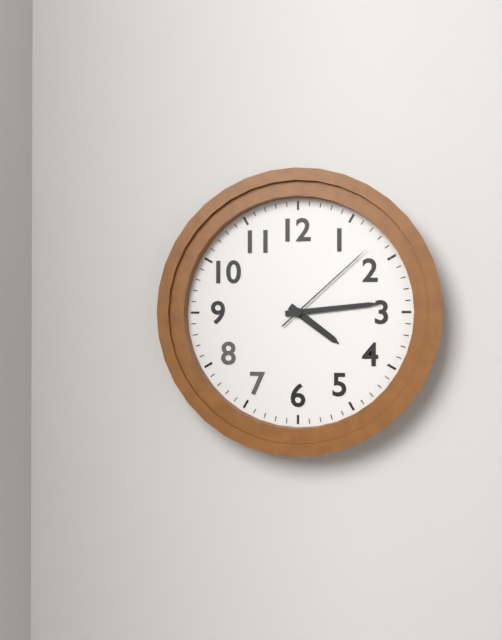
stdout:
h=4 m=14 s=8
